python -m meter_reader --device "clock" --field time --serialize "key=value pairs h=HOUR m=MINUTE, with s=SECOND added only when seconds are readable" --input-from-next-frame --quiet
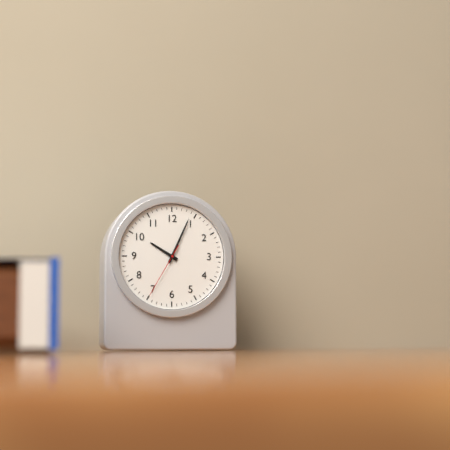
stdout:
h=10 m=4 s=35
